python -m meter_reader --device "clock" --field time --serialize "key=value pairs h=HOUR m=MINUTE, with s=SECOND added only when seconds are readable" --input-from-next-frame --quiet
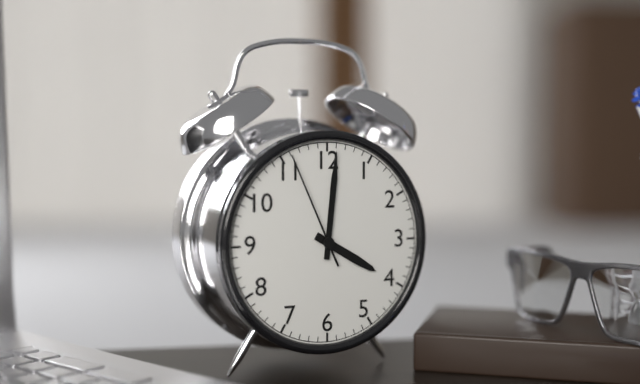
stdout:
h=4 m=1 s=56
